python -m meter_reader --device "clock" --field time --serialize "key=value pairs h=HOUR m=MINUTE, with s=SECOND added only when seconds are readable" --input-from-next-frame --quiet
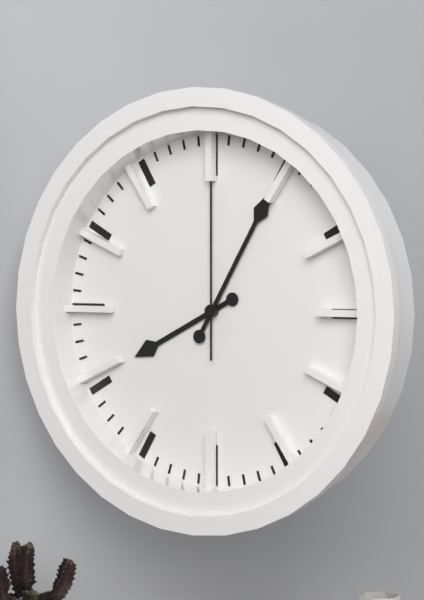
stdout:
h=8 m=5 s=0
